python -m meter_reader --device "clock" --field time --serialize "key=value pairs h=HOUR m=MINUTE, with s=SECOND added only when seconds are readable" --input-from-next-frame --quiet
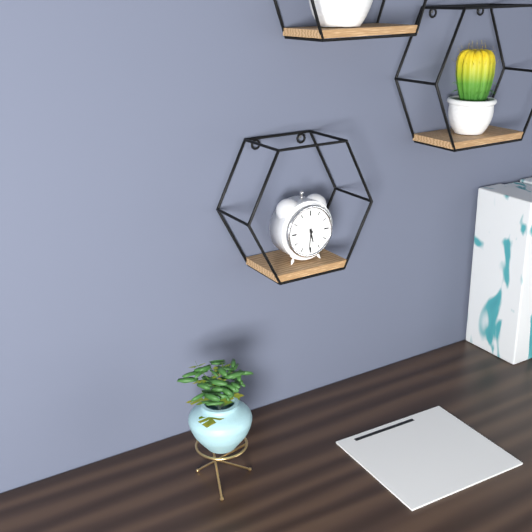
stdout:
h=5 m=31
